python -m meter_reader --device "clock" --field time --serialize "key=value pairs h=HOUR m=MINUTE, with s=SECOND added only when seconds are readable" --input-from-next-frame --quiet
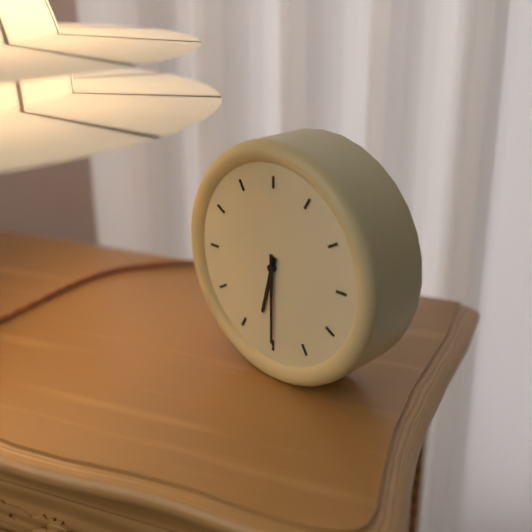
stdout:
h=6 m=30
